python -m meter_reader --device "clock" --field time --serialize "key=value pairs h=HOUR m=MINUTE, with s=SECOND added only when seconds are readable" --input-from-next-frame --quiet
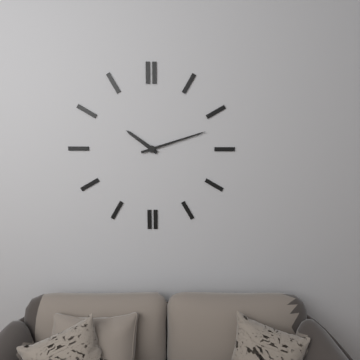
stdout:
h=10 m=12
